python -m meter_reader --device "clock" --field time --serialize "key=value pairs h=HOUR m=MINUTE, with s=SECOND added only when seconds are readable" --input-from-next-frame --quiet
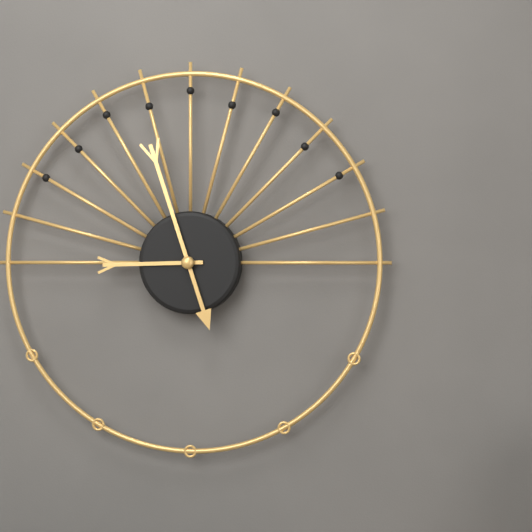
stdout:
h=8 m=57
